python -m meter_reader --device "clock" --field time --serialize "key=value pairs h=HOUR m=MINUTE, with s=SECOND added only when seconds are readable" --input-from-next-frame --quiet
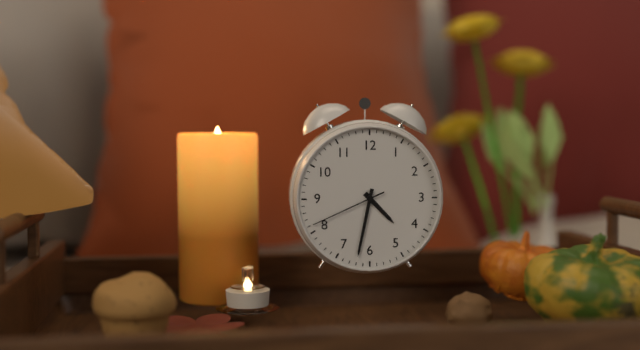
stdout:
h=4 m=32 s=41
